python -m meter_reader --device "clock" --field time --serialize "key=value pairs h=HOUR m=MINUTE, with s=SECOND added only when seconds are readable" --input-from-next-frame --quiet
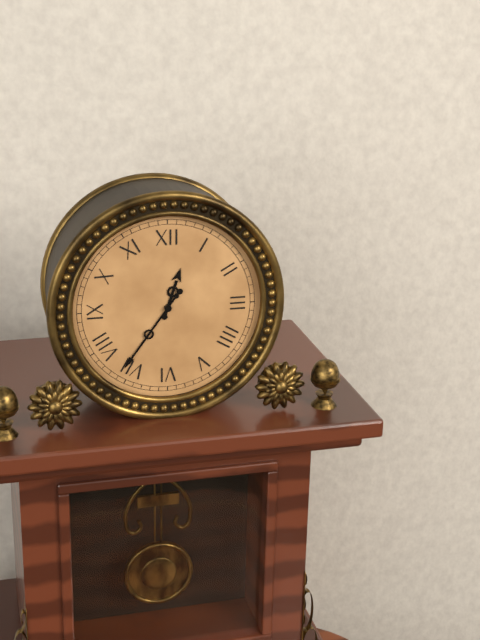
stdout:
h=12 m=36 s=36
